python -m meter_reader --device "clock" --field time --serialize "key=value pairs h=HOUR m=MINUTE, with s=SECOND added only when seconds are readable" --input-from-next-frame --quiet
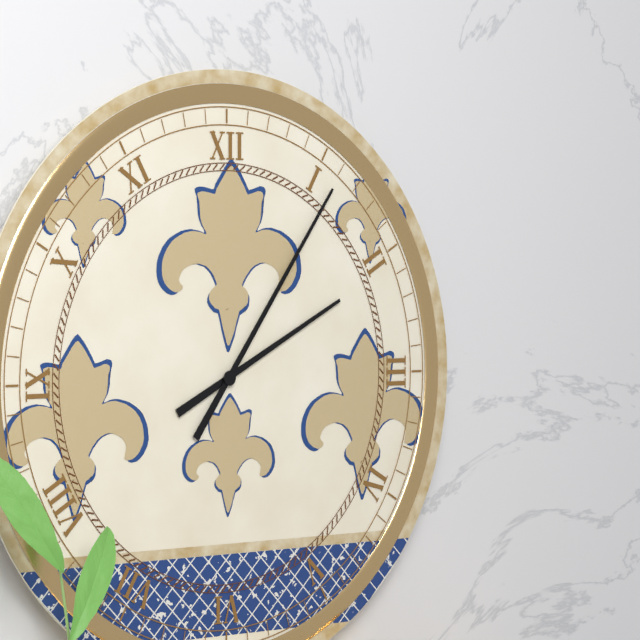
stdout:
h=2 m=6
